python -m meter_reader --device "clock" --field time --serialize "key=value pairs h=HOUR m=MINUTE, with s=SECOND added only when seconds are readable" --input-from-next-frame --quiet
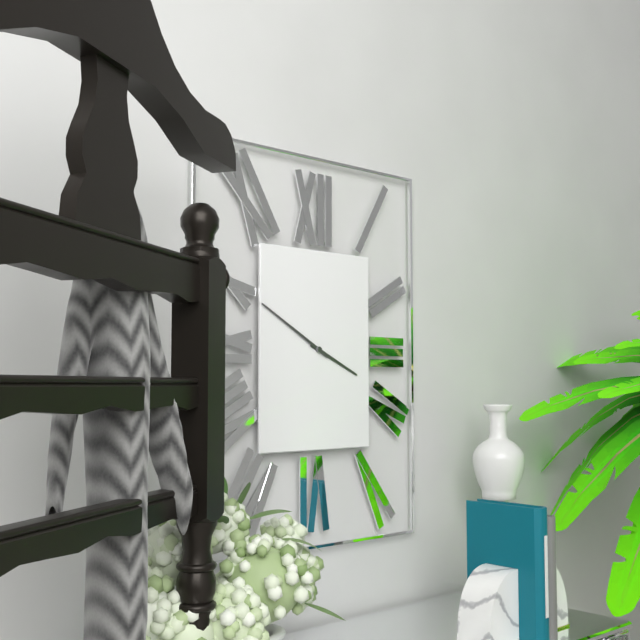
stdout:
h=3 m=50
